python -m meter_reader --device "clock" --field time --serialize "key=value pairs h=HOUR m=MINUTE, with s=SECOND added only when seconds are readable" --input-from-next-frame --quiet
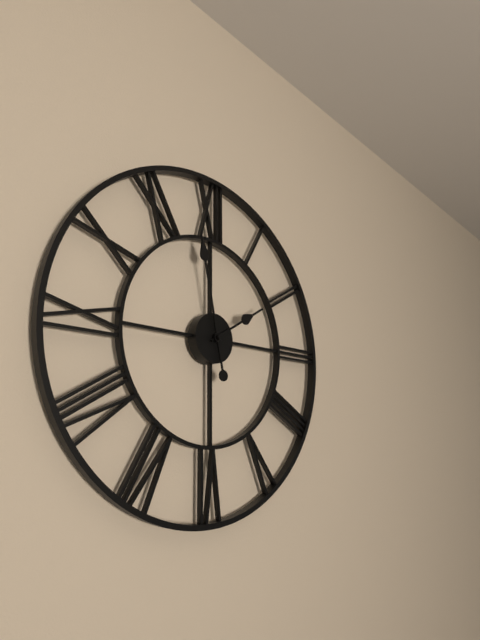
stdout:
h=1 m=58
